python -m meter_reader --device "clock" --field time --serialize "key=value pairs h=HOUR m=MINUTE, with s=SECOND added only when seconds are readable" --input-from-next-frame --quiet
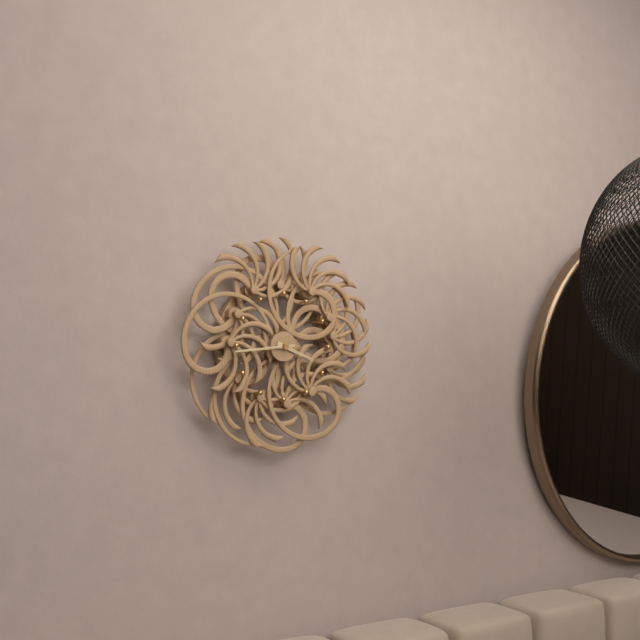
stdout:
h=3 m=44
